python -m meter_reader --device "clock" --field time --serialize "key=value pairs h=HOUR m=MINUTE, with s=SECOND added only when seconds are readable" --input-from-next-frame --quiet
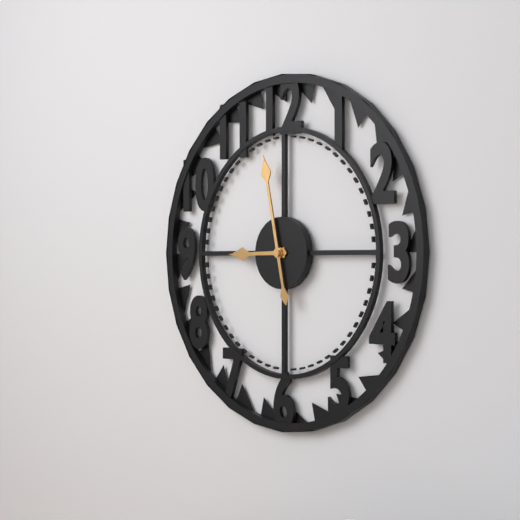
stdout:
h=8 m=58
